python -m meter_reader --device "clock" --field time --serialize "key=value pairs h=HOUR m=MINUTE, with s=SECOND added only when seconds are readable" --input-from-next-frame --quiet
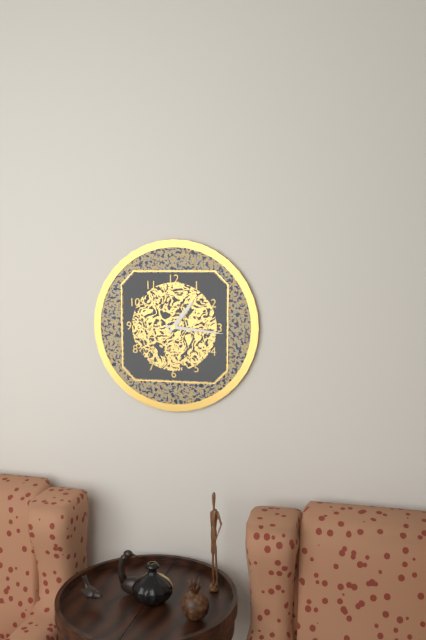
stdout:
h=1 m=16
